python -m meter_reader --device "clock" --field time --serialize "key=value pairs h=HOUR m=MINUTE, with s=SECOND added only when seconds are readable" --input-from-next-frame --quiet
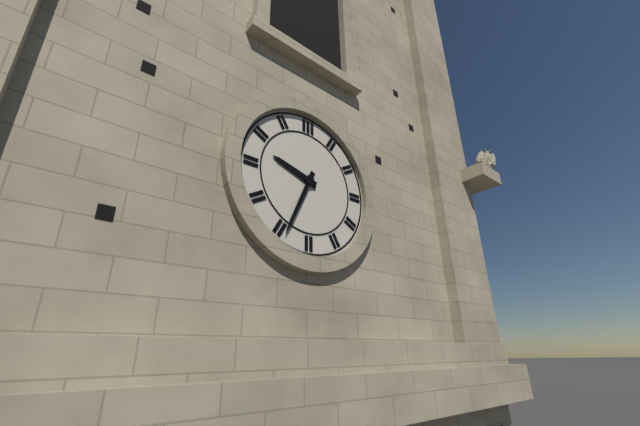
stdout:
h=9 m=34
